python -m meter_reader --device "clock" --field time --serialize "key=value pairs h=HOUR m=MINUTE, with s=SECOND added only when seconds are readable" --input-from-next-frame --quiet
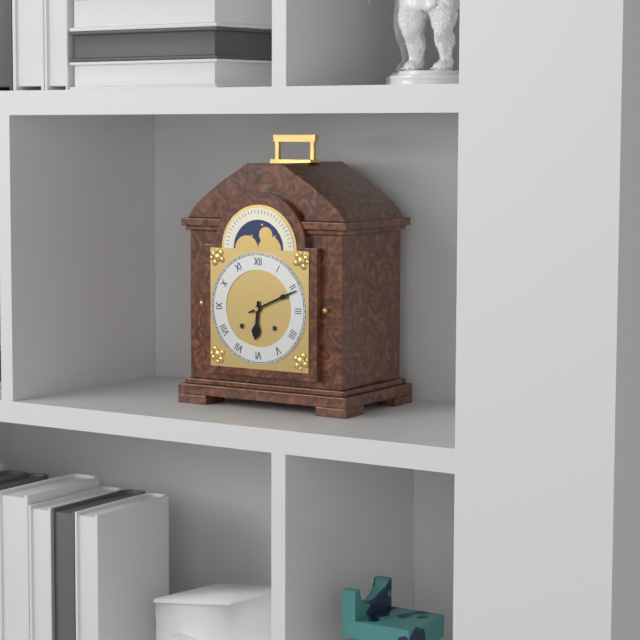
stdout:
h=6 m=11
